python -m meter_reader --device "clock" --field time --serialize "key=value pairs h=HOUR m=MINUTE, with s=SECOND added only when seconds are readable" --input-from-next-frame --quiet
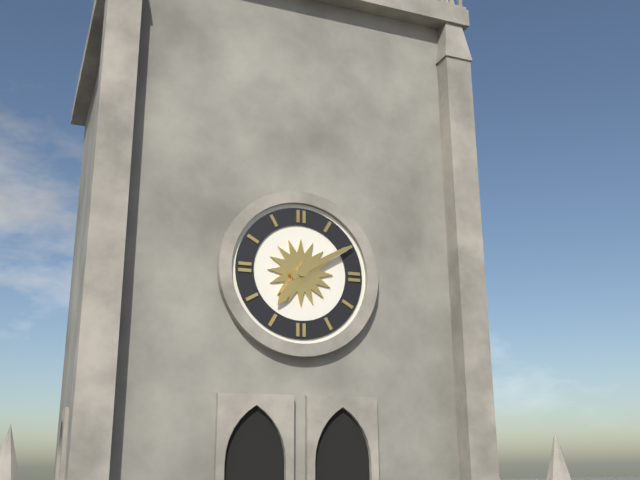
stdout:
h=7 m=10
